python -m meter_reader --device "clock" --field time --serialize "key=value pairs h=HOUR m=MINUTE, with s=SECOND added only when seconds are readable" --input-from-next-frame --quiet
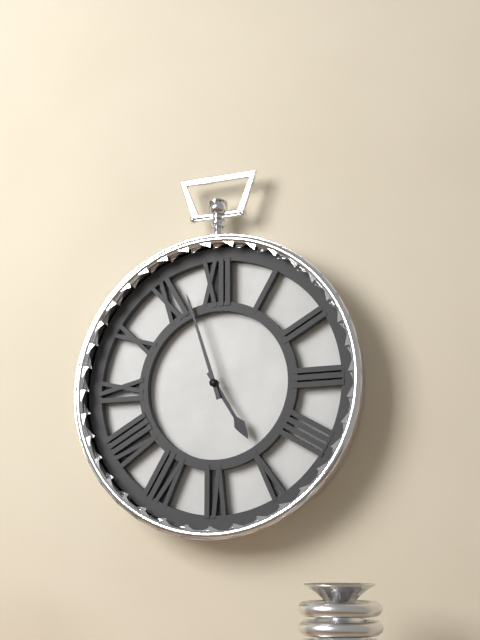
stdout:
h=4 m=57
